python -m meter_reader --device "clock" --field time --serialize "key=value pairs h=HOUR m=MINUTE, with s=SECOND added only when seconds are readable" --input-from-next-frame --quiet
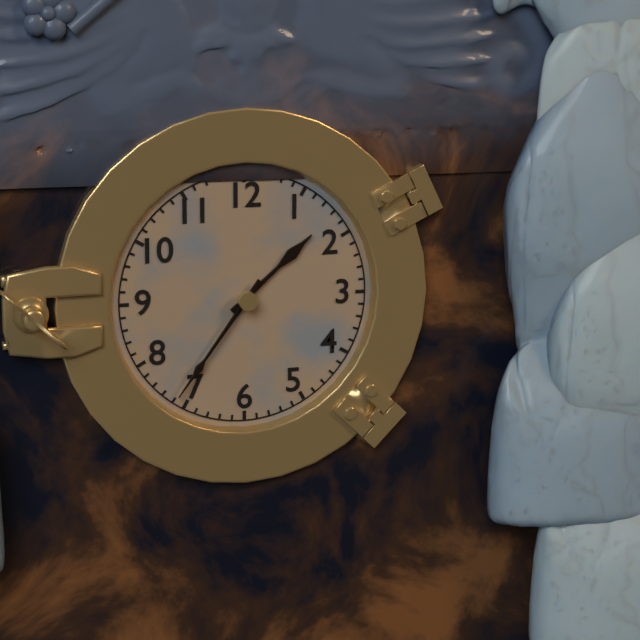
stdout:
h=1 m=36
